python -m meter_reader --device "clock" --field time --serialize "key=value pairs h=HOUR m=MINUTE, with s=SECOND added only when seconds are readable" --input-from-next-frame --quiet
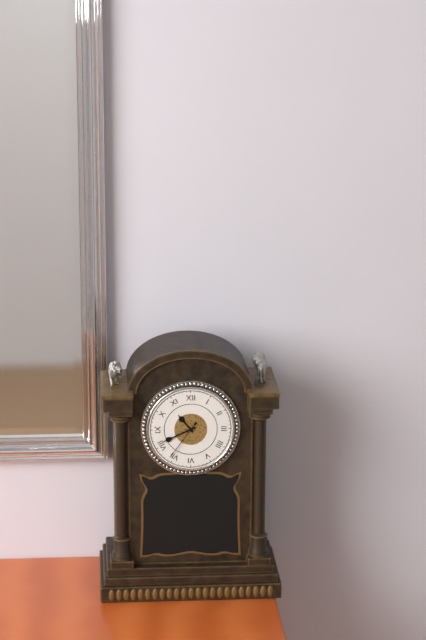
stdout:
h=10 m=41
